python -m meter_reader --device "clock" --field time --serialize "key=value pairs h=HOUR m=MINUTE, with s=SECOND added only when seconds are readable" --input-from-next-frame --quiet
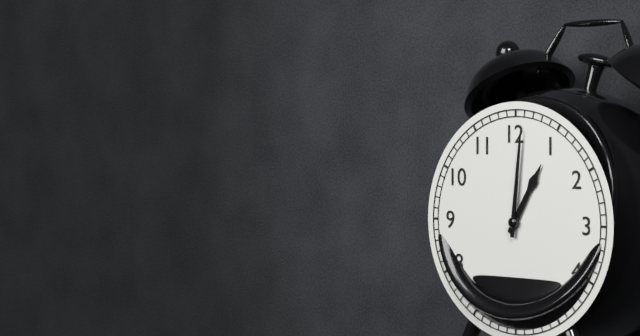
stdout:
h=1 m=1
